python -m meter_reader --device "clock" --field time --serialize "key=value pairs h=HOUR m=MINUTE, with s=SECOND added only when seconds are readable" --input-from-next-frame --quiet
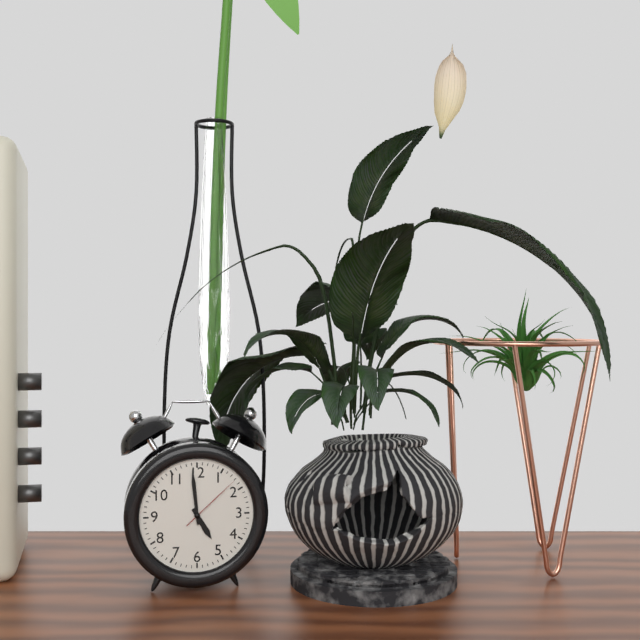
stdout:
h=4 m=59 s=8
